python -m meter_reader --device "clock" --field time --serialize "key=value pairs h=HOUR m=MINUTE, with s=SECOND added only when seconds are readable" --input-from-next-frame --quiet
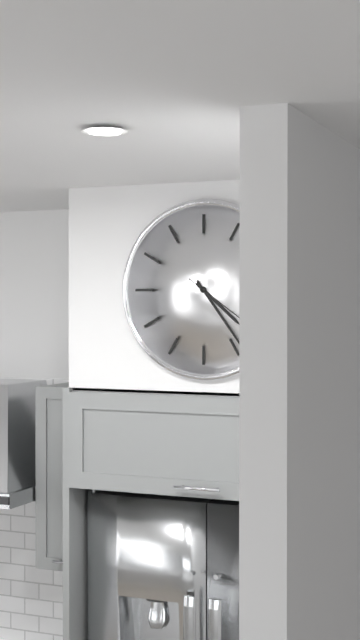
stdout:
h=4 m=24
